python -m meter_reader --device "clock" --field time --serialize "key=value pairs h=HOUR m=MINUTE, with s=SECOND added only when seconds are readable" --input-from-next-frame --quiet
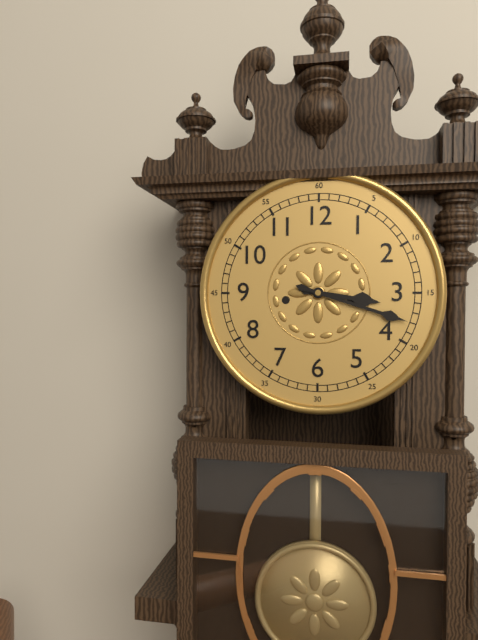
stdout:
h=3 m=18
